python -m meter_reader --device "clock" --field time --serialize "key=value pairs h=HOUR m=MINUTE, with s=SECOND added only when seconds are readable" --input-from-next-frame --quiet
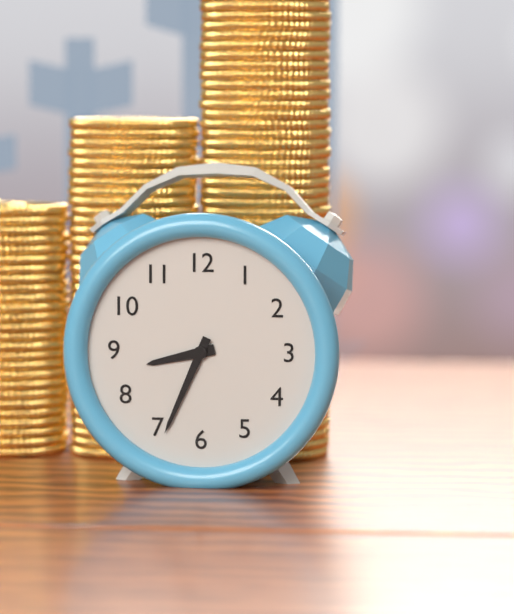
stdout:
h=8 m=34
